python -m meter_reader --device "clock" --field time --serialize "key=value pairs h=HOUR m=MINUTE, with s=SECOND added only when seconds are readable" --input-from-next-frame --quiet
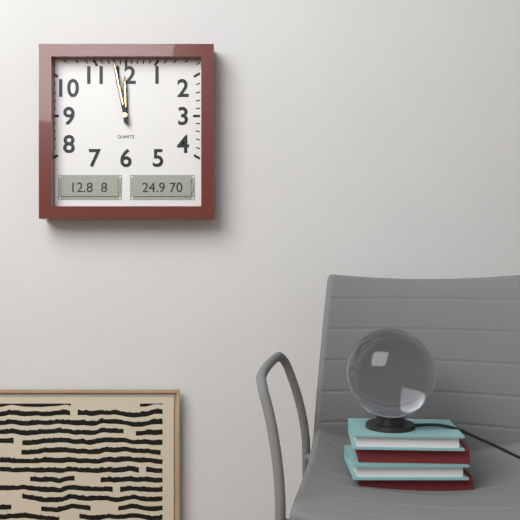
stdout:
h=11 m=58
